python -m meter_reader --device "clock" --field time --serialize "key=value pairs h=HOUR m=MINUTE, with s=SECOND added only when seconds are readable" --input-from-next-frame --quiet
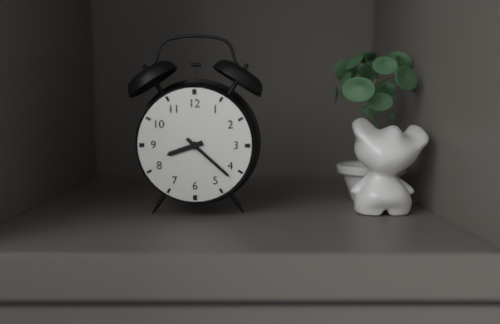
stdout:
h=8 m=22
